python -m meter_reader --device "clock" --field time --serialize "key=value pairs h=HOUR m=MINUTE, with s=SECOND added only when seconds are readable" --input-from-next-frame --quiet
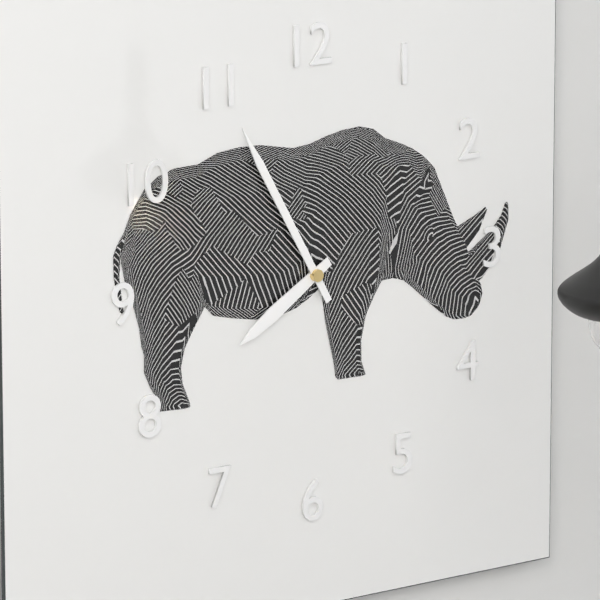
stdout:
h=7 m=55
